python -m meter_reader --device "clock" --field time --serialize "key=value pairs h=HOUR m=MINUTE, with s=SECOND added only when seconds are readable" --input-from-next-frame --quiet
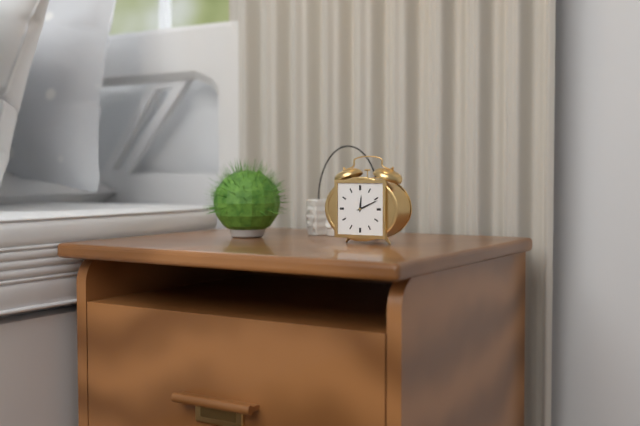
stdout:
h=12 m=11
